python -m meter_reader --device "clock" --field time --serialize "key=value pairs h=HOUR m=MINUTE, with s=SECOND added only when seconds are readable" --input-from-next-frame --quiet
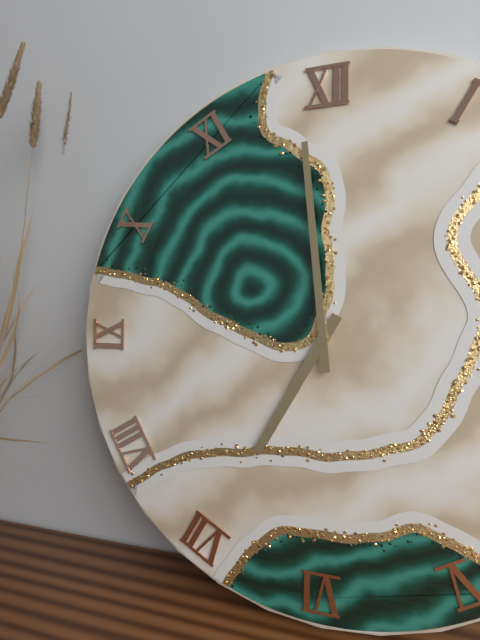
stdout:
h=6 m=59
